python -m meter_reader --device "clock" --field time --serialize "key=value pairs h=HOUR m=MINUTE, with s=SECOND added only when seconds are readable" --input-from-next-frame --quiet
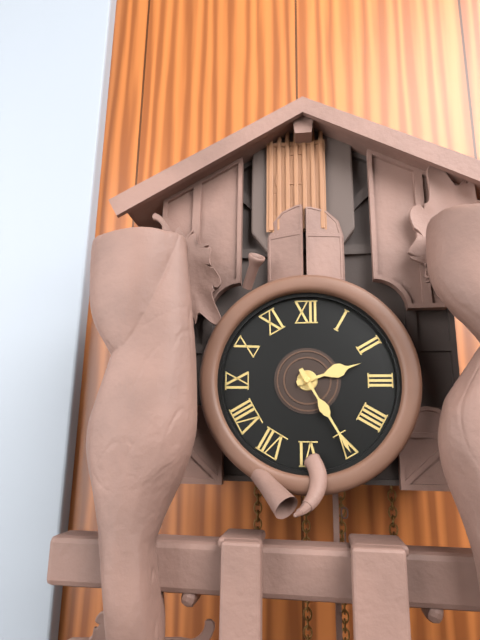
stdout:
h=2 m=25
